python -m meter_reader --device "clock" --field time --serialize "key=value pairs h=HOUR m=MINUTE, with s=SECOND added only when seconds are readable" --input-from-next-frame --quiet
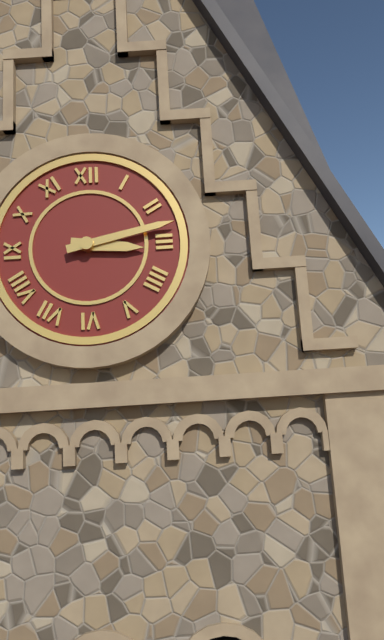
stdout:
h=3 m=13
